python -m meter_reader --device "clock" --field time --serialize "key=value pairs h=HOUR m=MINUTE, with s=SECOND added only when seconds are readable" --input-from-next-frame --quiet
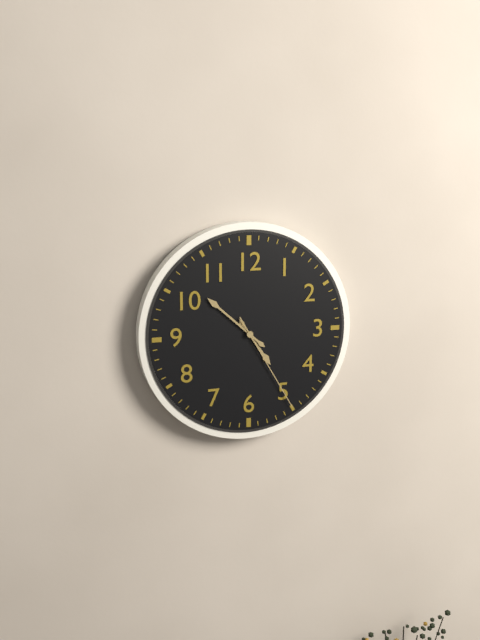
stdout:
h=4 m=52 s=25
